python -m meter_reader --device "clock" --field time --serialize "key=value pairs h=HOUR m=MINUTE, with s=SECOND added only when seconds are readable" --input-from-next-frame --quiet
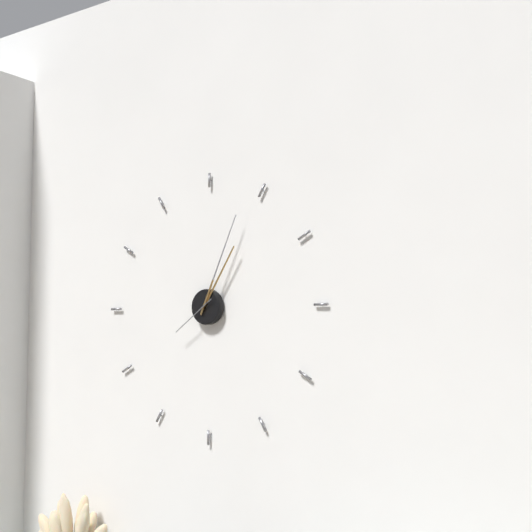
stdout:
h=1 m=4
